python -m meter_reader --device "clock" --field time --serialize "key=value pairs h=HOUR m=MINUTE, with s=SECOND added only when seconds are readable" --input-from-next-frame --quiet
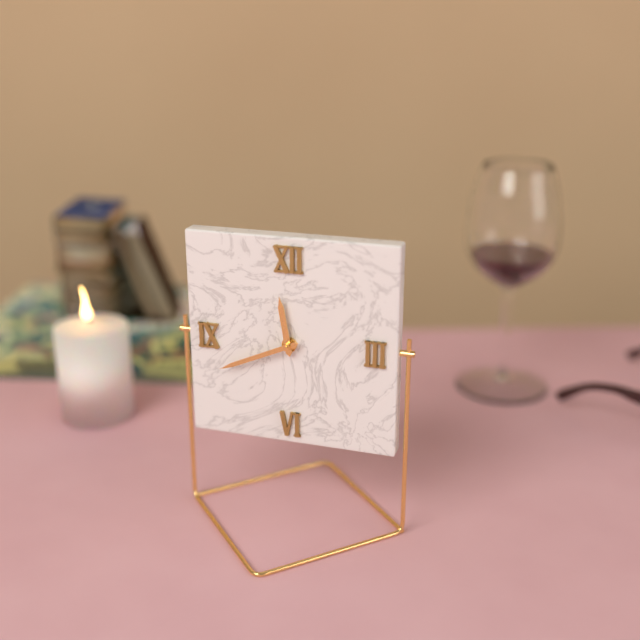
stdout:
h=11 m=41
